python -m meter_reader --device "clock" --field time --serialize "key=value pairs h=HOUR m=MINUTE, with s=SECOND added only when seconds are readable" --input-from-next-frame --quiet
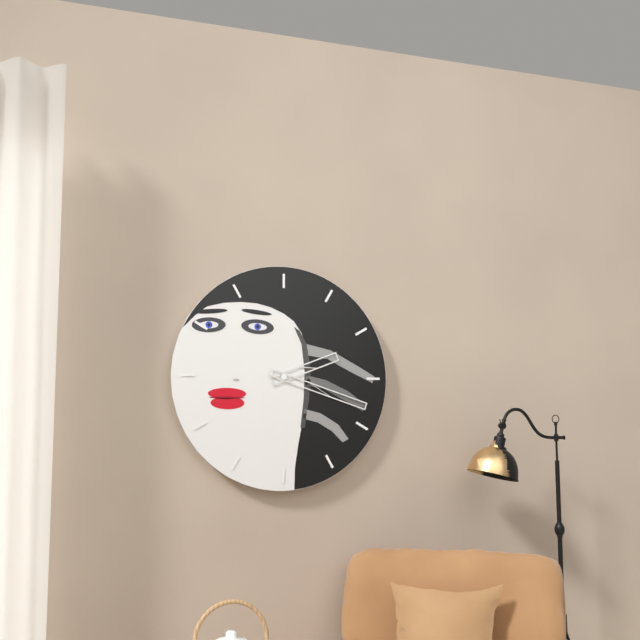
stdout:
h=2 m=18
